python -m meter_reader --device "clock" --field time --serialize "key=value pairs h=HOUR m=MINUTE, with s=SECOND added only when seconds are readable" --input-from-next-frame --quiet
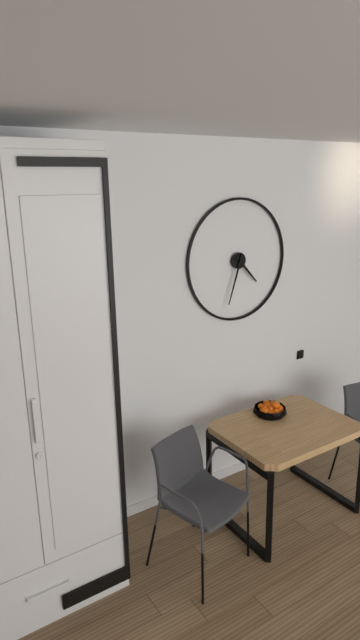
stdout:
h=4 m=33
